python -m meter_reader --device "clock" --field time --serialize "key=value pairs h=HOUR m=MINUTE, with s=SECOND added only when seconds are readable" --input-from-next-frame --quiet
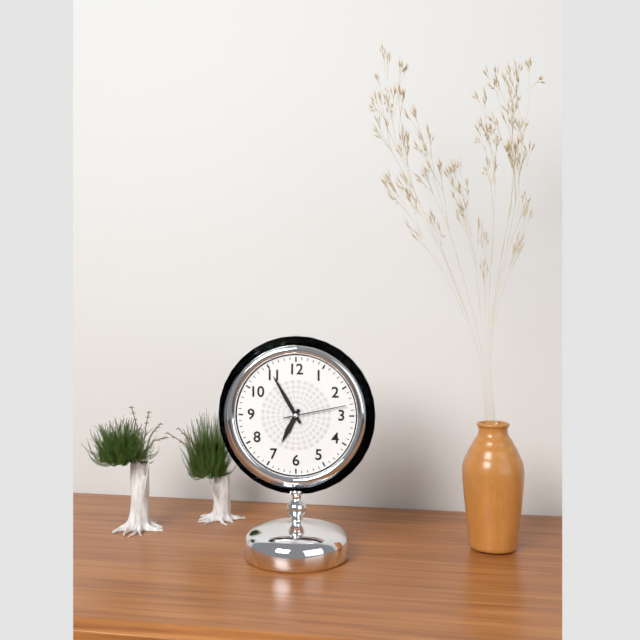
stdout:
h=6 m=55 s=13
